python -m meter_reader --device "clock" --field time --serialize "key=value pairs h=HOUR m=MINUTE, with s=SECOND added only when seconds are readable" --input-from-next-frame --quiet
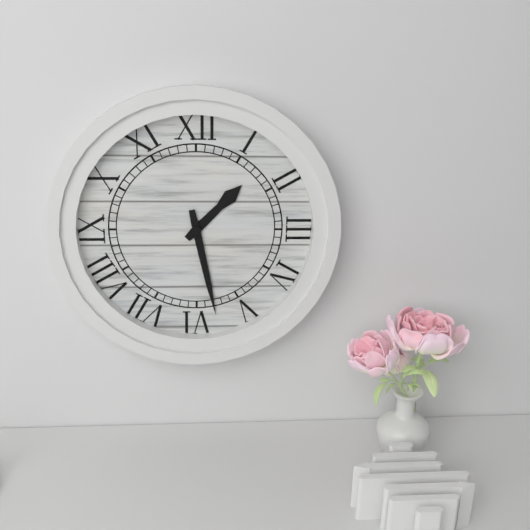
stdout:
h=1 m=28
